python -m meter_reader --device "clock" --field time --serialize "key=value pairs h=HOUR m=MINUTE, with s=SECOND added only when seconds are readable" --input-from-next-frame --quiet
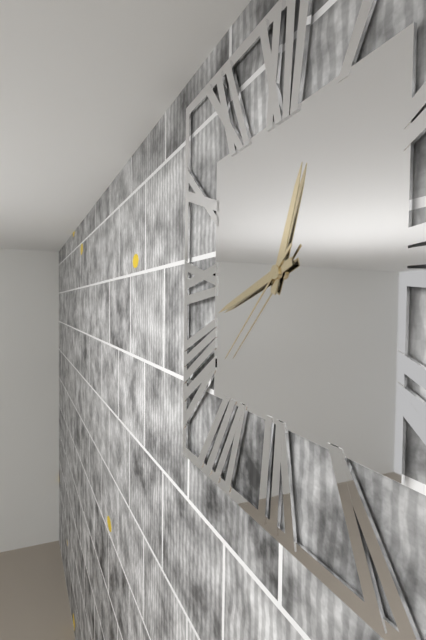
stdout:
h=12 m=42 s=38
